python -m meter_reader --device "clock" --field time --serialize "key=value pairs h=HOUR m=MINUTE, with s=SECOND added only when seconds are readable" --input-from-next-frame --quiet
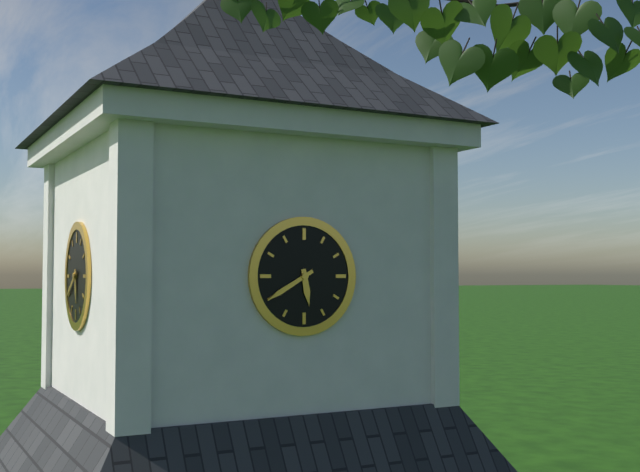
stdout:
h=5 m=40
